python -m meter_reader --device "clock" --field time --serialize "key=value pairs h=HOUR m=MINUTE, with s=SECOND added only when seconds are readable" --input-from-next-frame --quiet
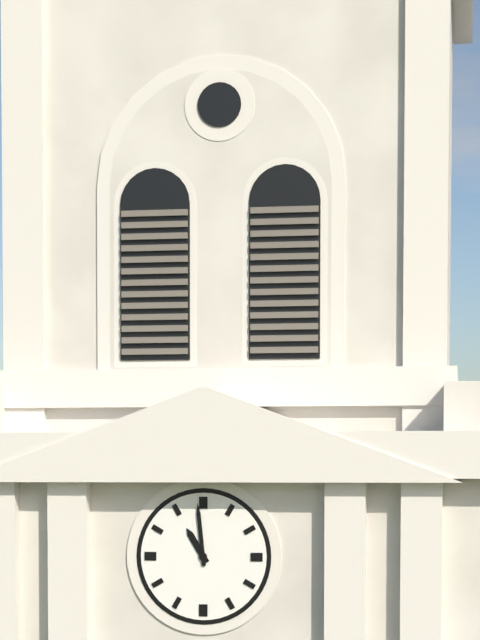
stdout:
h=10 m=59
